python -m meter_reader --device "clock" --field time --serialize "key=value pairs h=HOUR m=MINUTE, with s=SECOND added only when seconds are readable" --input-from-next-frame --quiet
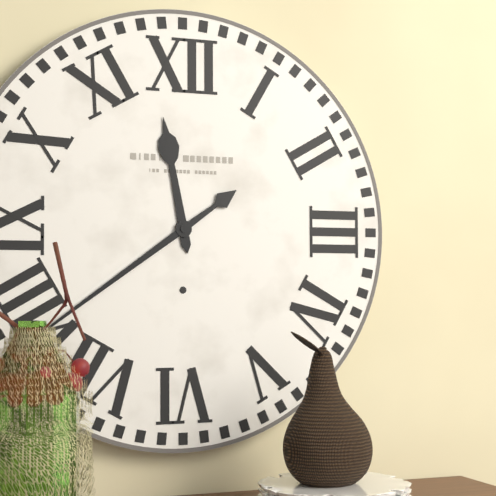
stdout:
h=11 m=39
